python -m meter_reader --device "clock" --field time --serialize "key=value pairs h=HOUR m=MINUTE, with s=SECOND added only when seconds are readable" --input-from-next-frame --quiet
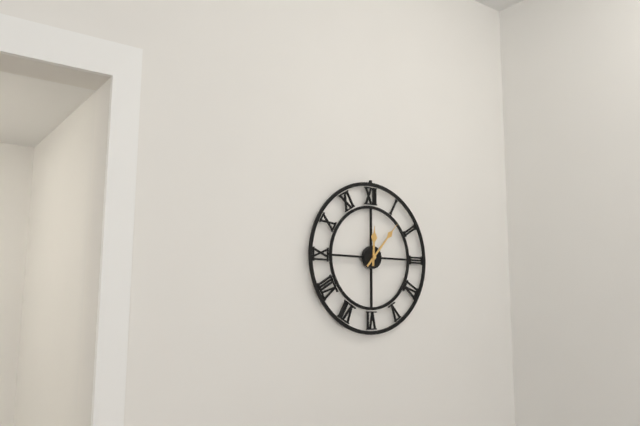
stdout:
h=12 m=7
